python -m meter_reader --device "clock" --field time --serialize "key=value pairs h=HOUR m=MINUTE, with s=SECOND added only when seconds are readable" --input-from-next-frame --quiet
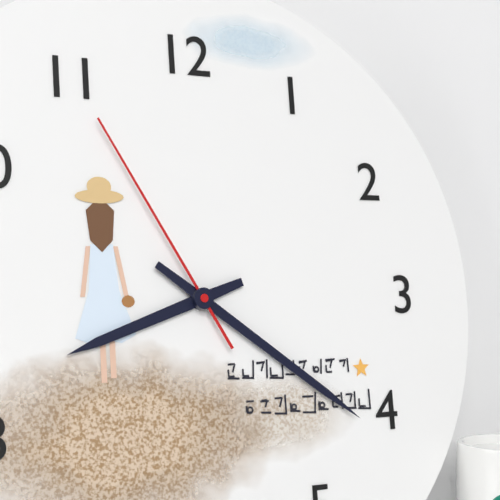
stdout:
h=8 m=21 s=55
